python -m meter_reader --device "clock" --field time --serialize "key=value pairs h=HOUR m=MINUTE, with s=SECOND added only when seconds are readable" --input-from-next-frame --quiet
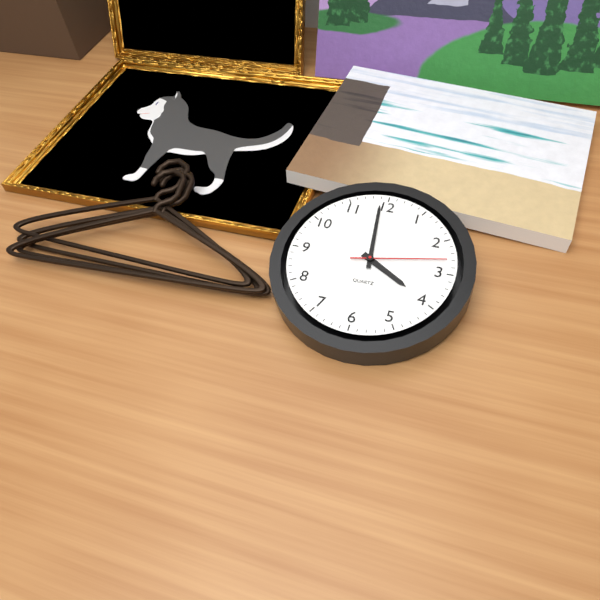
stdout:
h=3 m=59 s=13
